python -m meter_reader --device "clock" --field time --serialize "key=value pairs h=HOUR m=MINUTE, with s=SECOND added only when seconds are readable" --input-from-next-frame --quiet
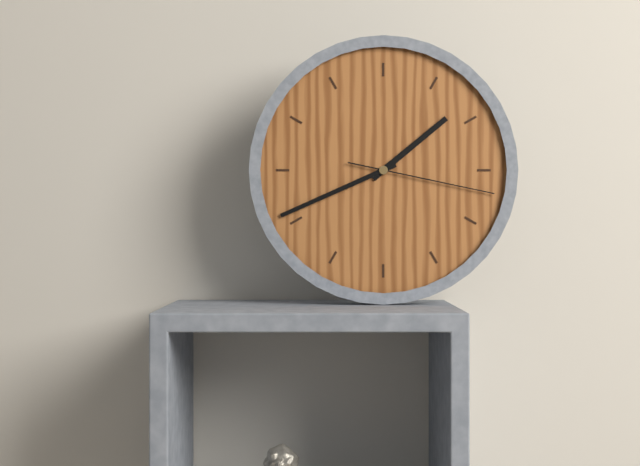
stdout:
h=1 m=41 s=17
